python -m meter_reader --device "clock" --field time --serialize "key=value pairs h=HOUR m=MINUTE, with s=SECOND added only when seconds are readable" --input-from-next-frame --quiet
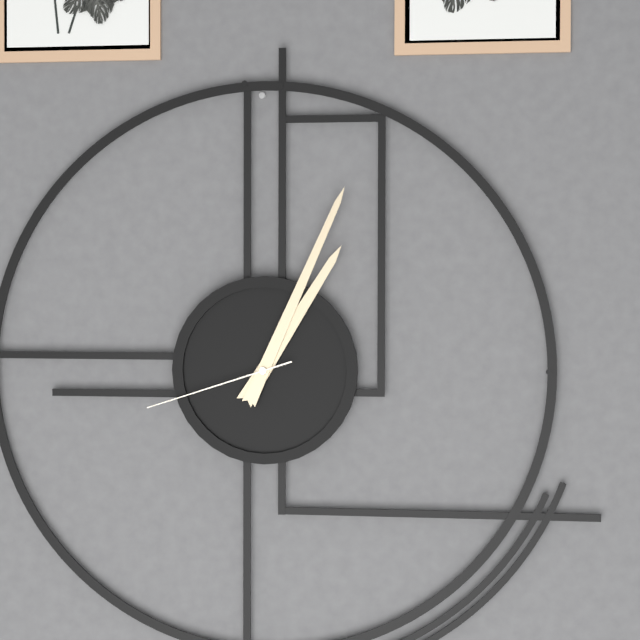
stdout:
h=1 m=4 s=42
